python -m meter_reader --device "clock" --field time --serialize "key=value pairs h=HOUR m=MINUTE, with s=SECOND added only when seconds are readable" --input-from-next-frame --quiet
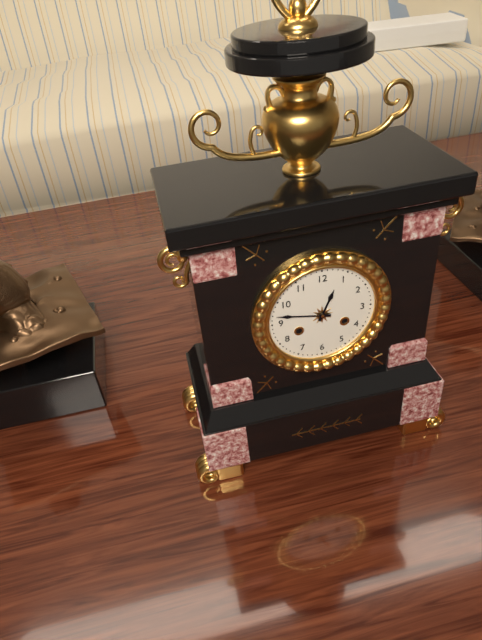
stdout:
h=12 m=47
